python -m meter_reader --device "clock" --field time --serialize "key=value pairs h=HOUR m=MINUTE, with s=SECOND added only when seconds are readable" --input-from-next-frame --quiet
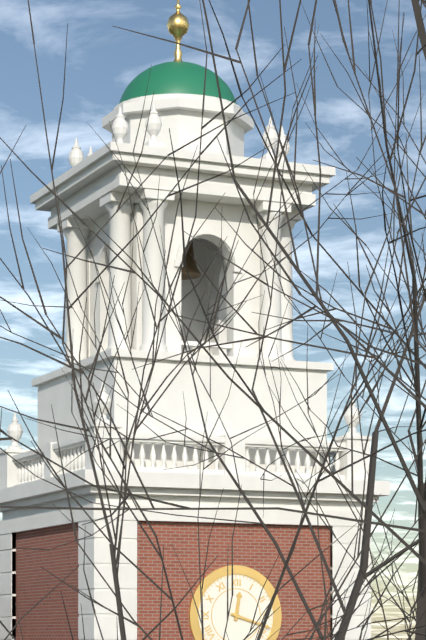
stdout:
h=12 m=18
